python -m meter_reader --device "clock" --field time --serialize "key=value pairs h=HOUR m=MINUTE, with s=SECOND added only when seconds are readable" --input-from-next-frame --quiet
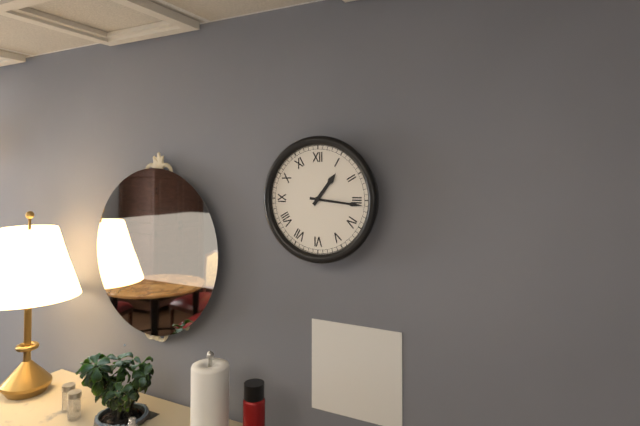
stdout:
h=1 m=16
